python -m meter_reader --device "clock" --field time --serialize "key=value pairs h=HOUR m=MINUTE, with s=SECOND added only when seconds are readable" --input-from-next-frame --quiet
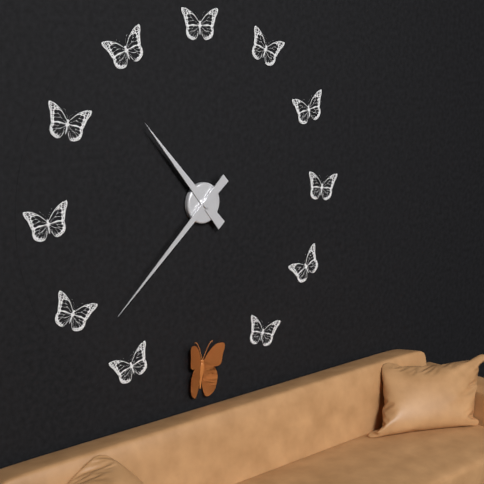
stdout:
h=10 m=38
